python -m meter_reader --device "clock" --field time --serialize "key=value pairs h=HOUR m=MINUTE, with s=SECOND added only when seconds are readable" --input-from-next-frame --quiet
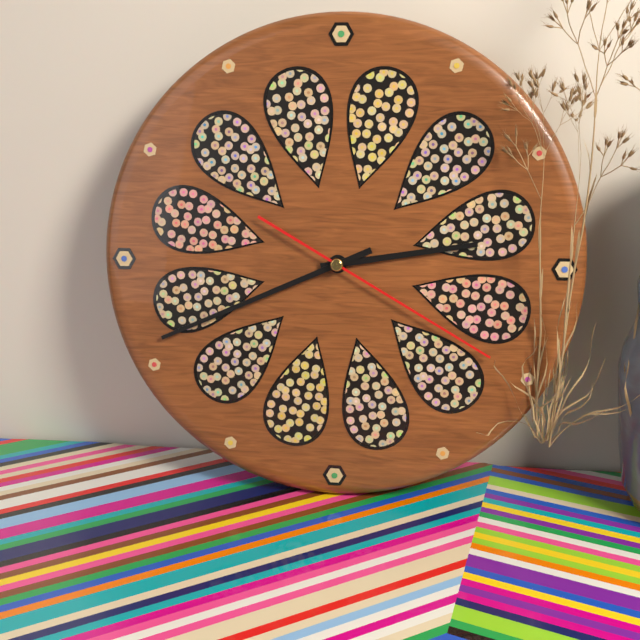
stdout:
h=2 m=41 s=20
